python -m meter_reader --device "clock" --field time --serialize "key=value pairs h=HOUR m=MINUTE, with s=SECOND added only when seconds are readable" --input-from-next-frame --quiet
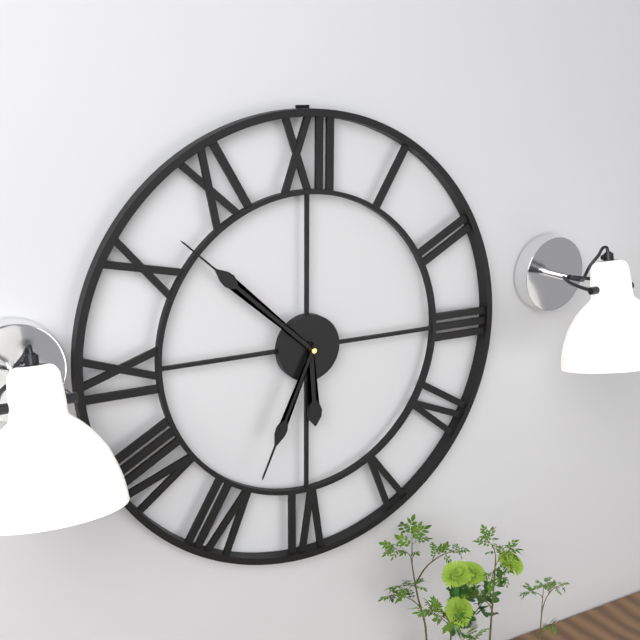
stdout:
h=5 m=52 s=34
